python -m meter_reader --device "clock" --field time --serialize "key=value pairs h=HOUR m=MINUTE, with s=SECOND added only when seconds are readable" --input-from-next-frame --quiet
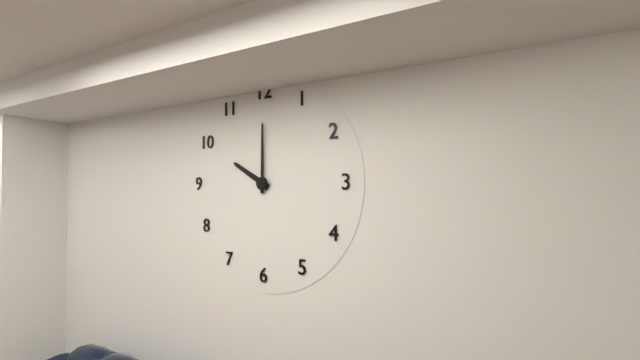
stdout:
h=10 m=0
